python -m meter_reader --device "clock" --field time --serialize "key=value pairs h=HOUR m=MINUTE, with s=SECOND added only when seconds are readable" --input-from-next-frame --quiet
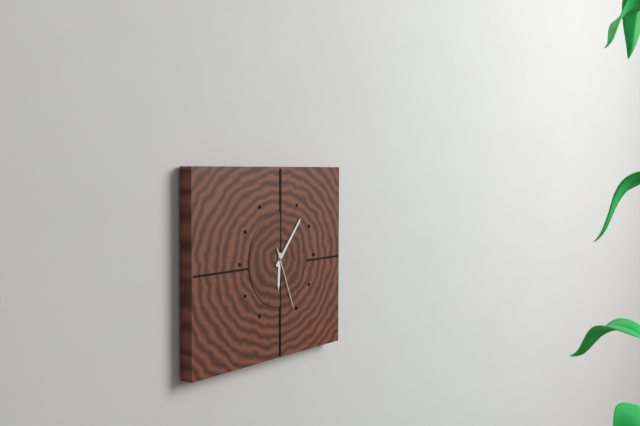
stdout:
h=6 m=7 s=26
